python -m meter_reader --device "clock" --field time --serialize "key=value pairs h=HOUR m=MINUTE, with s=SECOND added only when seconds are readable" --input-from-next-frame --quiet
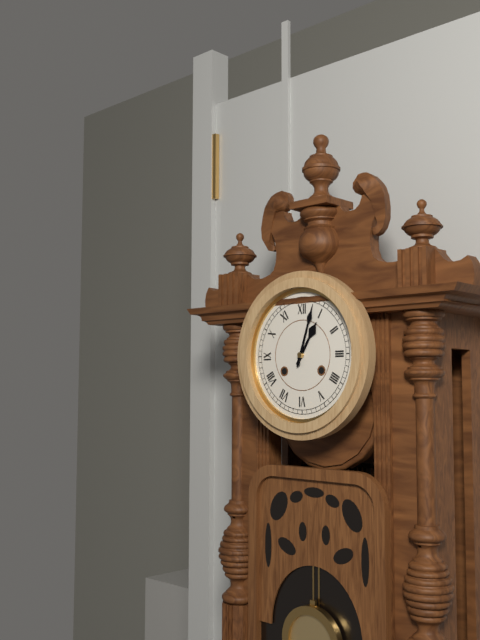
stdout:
h=1 m=3
